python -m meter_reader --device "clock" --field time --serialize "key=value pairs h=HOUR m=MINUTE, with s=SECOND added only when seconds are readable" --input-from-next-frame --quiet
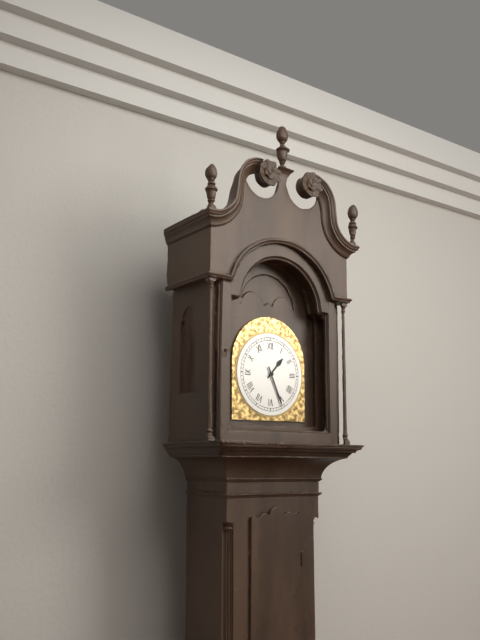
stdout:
h=1 m=26
